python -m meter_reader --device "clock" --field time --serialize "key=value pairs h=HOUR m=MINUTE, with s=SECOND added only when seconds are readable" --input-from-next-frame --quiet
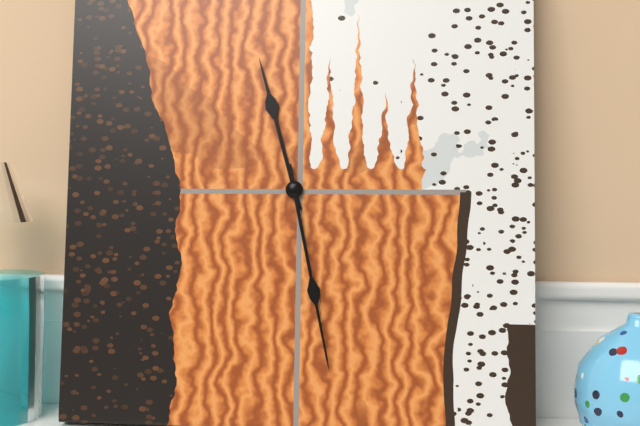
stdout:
h=11 m=28
